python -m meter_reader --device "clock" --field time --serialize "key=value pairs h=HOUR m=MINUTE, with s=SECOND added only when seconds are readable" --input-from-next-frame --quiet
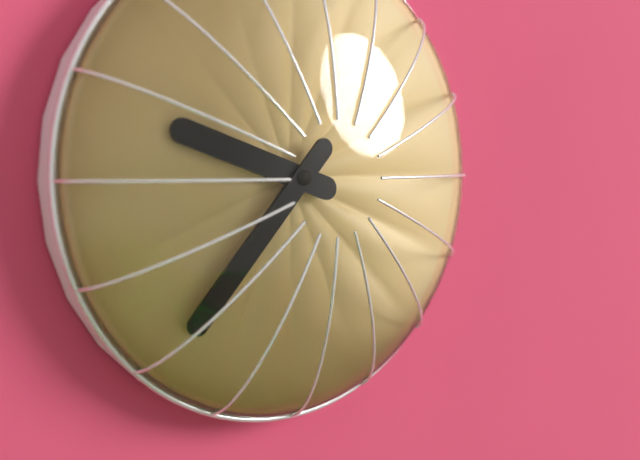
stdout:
h=9 m=37
